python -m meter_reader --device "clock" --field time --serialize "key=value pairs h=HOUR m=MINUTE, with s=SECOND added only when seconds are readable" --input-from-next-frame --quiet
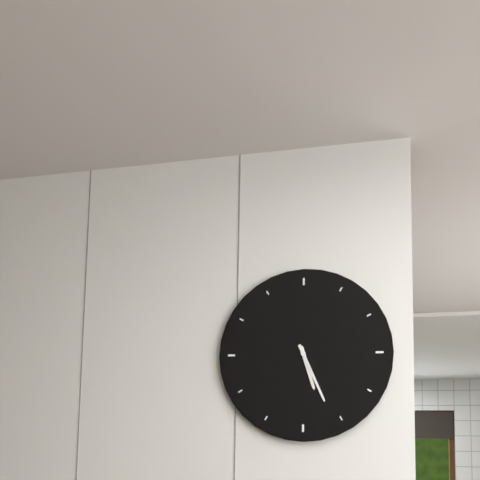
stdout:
h=5 m=26
